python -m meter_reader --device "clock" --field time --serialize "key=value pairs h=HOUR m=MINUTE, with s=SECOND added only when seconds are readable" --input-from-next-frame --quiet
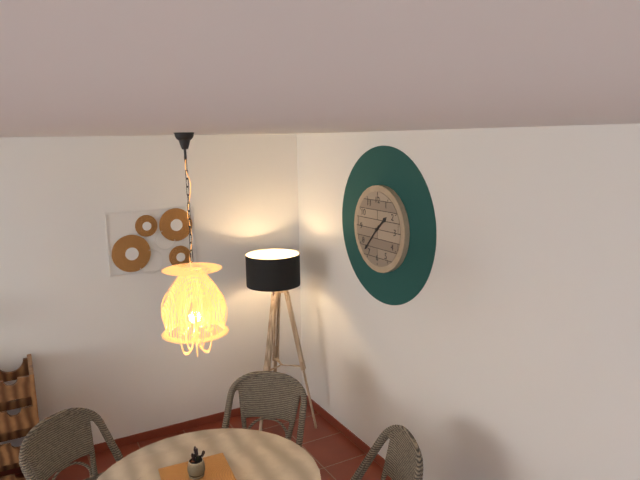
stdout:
h=1 m=37
